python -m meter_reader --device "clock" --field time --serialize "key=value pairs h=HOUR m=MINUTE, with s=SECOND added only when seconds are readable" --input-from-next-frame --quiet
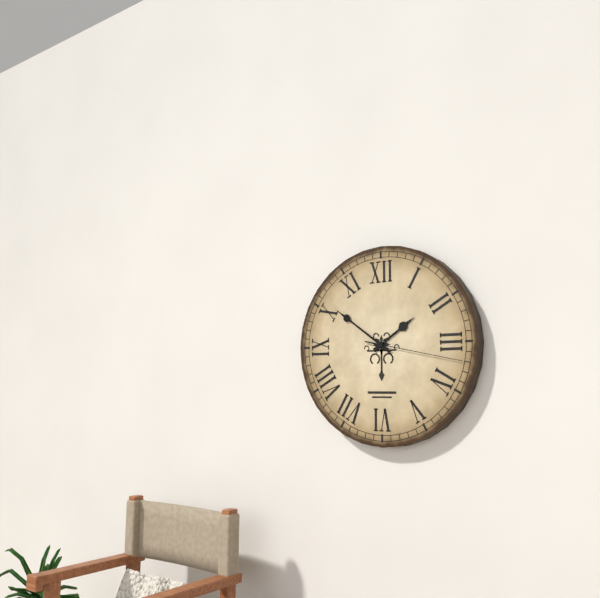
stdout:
h=1 m=51 s=17
